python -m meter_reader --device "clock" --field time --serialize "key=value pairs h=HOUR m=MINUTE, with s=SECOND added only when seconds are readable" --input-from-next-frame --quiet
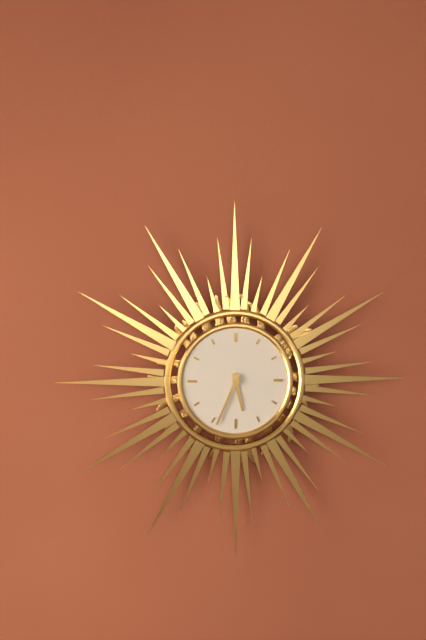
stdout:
h=5 m=34
